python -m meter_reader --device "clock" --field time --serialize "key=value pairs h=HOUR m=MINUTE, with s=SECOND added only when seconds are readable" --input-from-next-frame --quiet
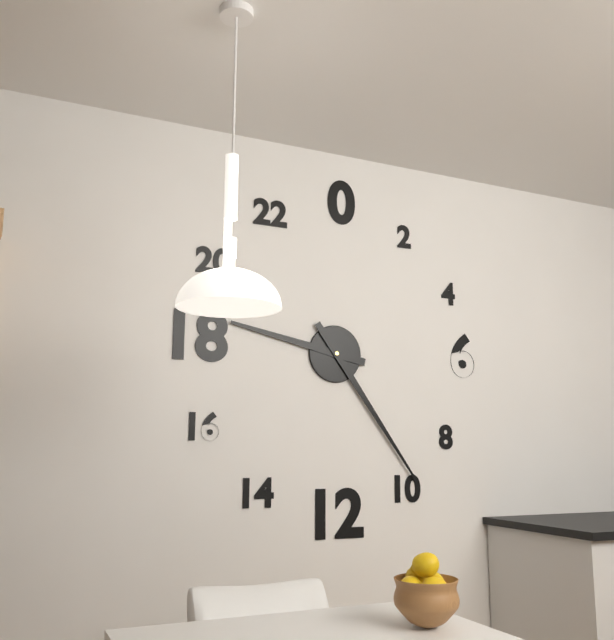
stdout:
h=9 m=24
